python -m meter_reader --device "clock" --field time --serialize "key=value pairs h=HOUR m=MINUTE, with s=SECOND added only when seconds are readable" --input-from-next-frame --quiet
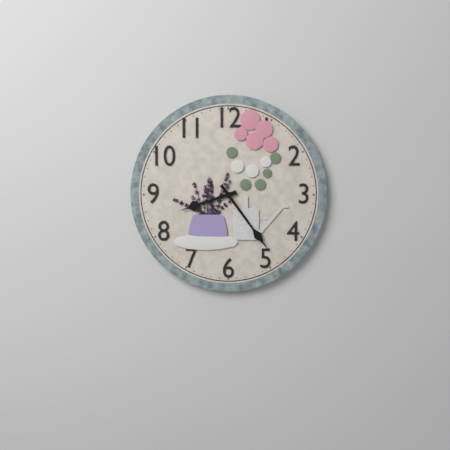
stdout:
h=8 m=24
